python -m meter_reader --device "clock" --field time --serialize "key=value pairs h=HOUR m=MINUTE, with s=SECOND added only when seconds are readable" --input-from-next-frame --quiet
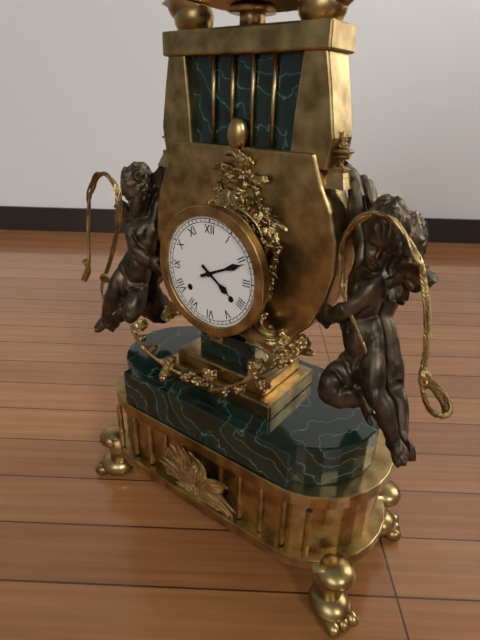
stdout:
h=4 m=11
